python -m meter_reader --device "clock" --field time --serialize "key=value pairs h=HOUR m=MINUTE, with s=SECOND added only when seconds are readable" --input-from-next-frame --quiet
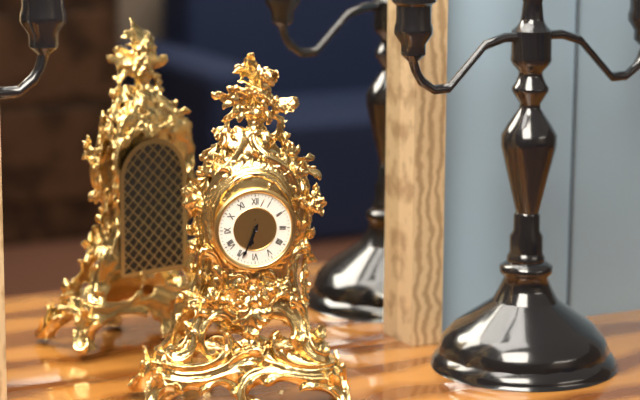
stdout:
h=6 m=34
